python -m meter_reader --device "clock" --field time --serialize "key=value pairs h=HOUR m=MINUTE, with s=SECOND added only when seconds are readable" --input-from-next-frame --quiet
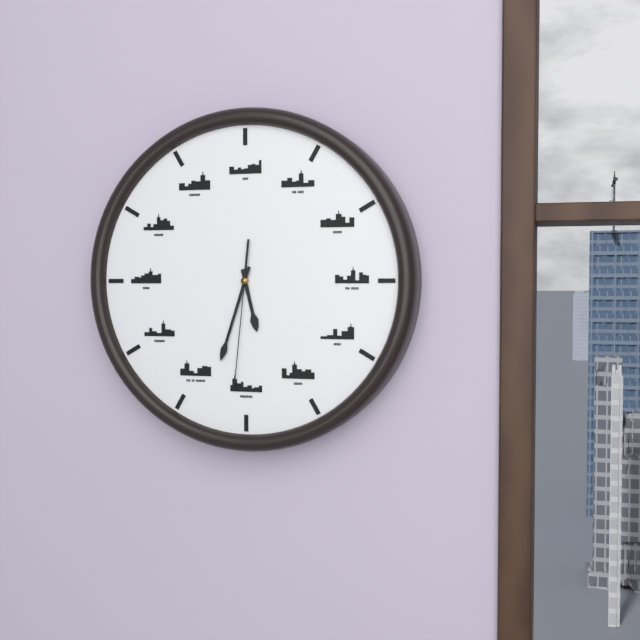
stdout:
h=5 m=33 s=31
